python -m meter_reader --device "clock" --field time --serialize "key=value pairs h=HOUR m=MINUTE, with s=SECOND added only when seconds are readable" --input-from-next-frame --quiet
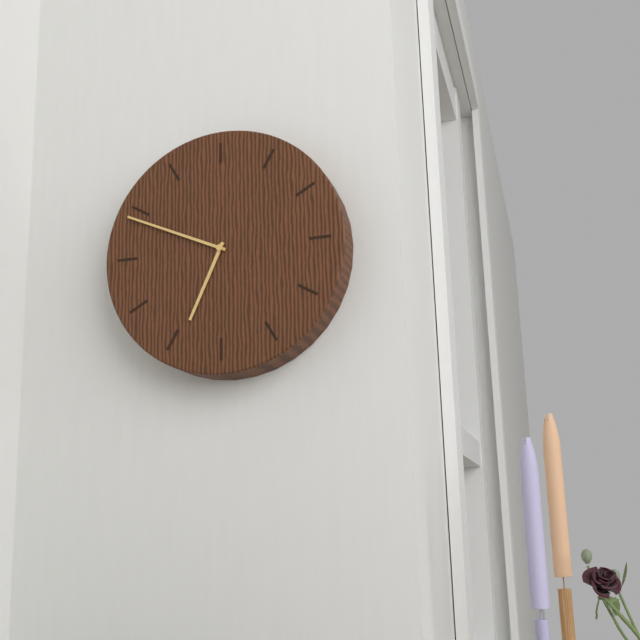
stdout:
h=6 m=49
